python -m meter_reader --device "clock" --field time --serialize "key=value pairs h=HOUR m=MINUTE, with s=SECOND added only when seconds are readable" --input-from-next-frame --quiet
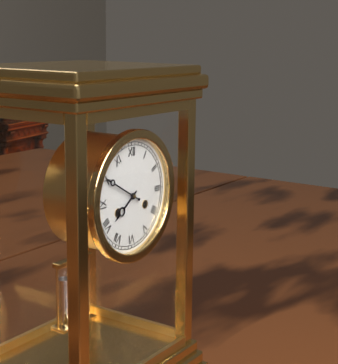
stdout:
h=7 m=50
